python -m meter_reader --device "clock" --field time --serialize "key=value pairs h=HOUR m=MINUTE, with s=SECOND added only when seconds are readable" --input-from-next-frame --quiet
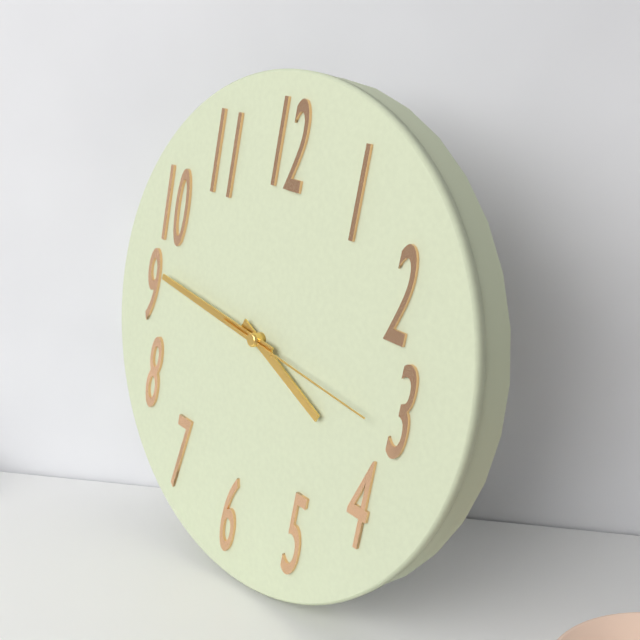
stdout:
h=3 m=46 s=16
